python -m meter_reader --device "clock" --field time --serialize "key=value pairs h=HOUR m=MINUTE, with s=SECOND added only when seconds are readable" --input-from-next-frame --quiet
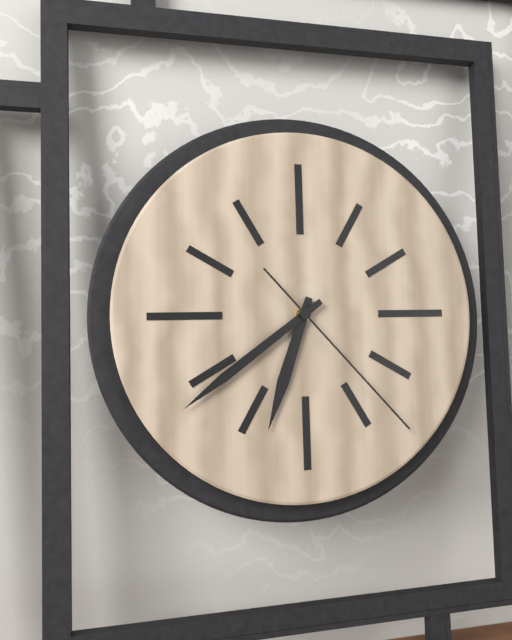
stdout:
h=6 m=39 s=23
